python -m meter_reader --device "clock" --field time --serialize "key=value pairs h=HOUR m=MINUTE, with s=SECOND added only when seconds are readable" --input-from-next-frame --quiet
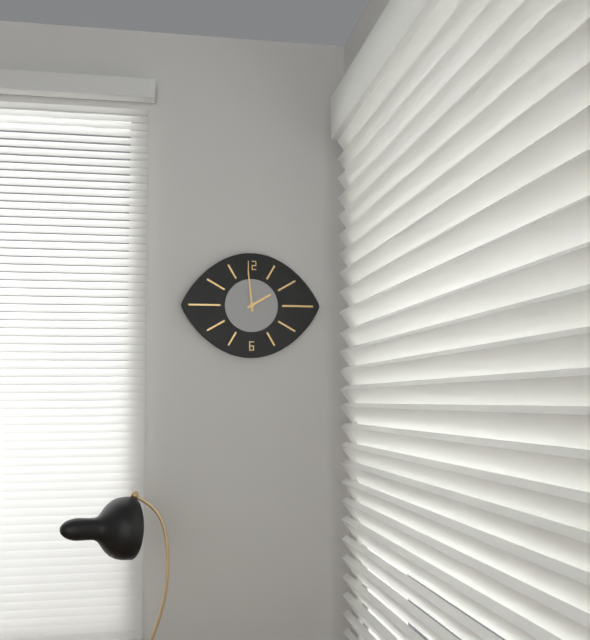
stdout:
h=1 m=59
